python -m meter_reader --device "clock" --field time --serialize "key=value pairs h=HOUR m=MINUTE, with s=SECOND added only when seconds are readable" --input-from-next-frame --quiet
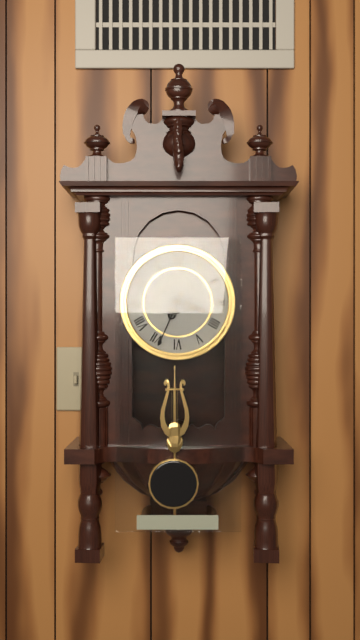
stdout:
h=3 m=34
